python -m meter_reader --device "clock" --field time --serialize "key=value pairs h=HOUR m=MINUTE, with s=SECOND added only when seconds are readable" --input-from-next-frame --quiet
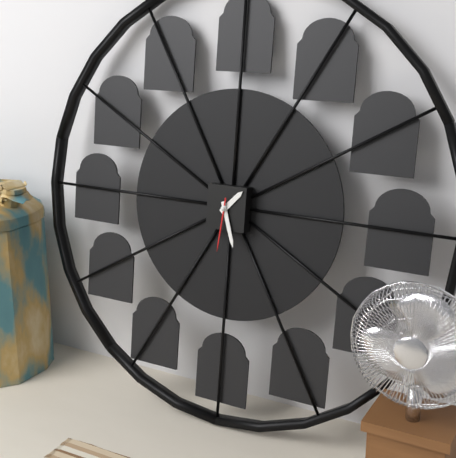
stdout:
h=1 m=27 s=31
